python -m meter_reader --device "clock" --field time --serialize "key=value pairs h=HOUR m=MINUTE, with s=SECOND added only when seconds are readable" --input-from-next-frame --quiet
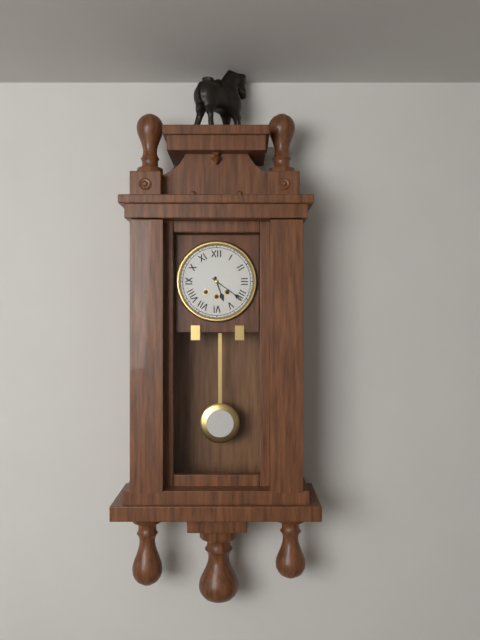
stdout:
h=5 m=21
